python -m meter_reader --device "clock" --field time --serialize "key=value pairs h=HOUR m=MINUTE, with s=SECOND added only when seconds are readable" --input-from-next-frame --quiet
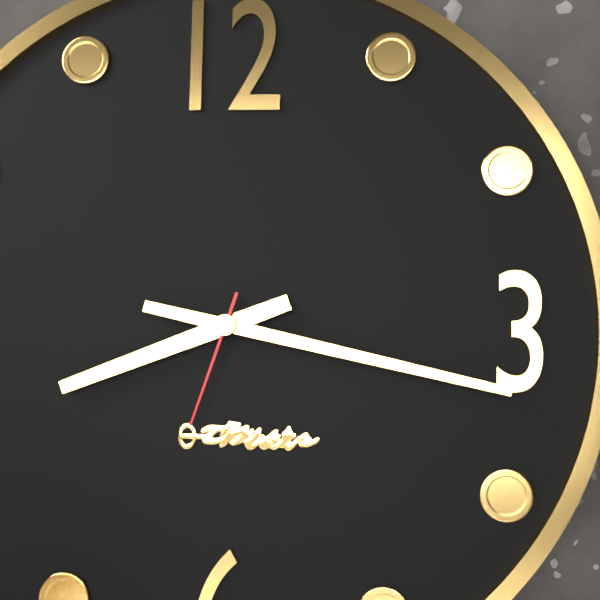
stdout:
h=8 m=17 s=33
